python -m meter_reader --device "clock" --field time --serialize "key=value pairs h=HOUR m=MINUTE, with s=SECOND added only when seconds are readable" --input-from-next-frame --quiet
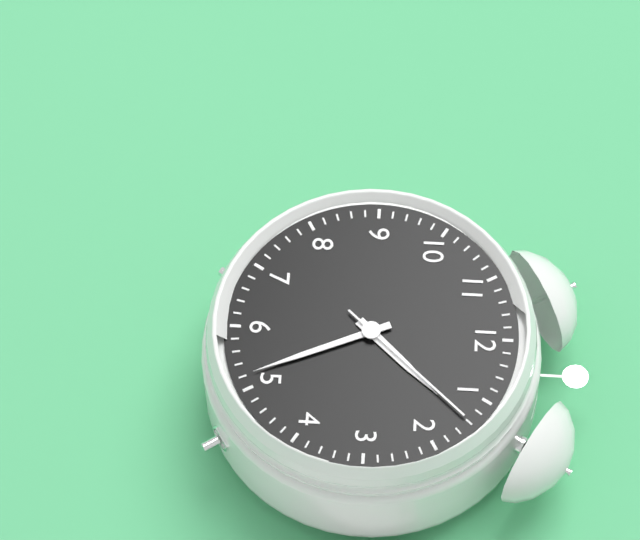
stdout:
h=1 m=26 s=7
